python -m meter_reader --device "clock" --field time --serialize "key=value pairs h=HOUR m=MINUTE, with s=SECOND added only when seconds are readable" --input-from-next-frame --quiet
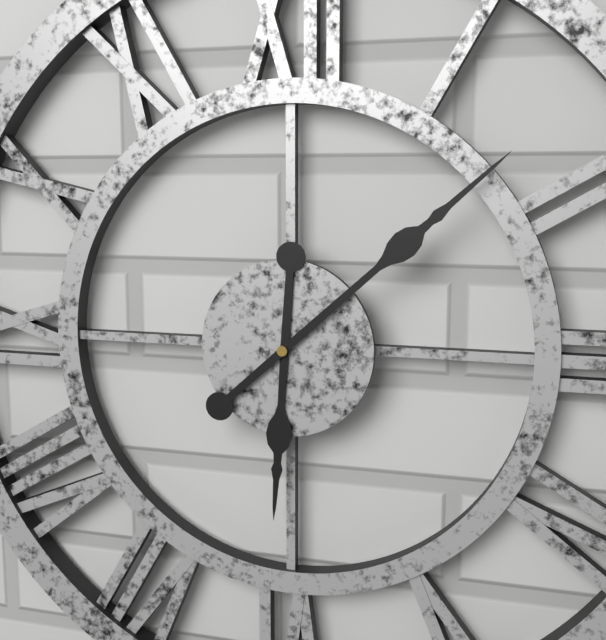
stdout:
h=6 m=8
